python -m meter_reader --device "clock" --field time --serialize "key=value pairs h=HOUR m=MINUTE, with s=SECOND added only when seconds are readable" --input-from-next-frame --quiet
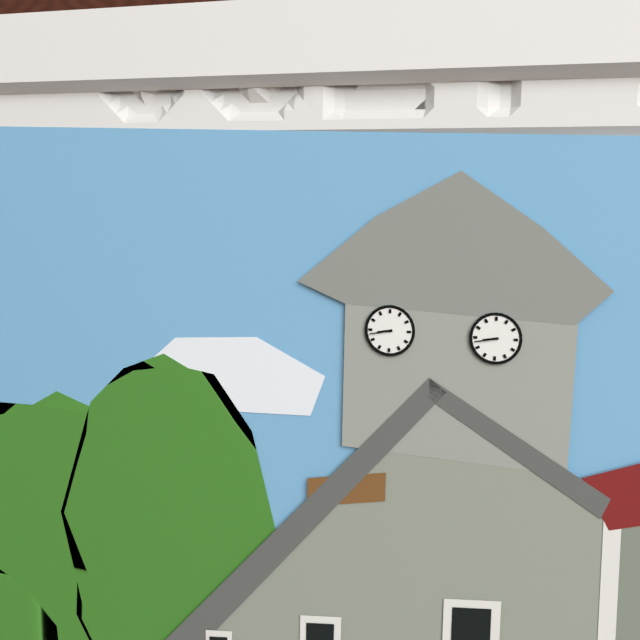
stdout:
h=8 m=43
